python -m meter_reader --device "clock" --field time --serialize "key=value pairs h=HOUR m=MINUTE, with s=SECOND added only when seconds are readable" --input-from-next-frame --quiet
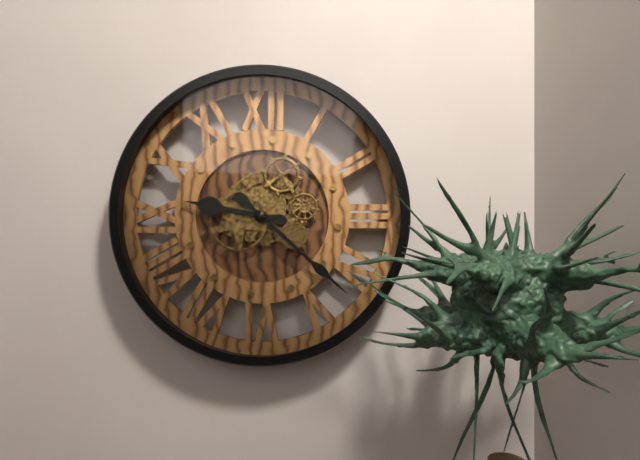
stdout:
h=9 m=22
